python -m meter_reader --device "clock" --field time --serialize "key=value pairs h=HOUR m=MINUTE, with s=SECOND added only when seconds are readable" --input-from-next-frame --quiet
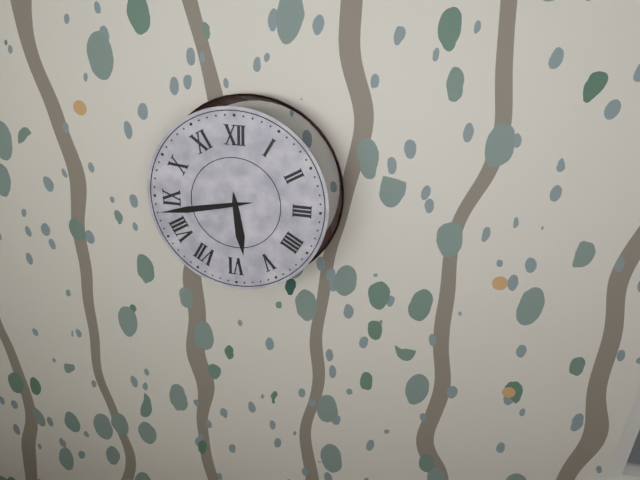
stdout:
h=5 m=43
